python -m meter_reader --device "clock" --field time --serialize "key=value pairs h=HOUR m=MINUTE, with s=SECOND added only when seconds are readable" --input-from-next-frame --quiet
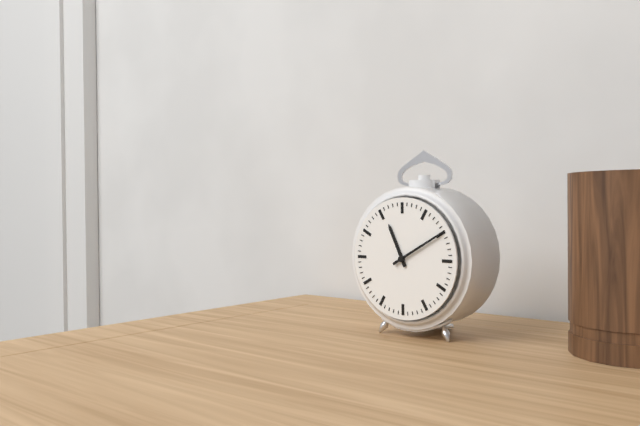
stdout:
h=11 m=10
